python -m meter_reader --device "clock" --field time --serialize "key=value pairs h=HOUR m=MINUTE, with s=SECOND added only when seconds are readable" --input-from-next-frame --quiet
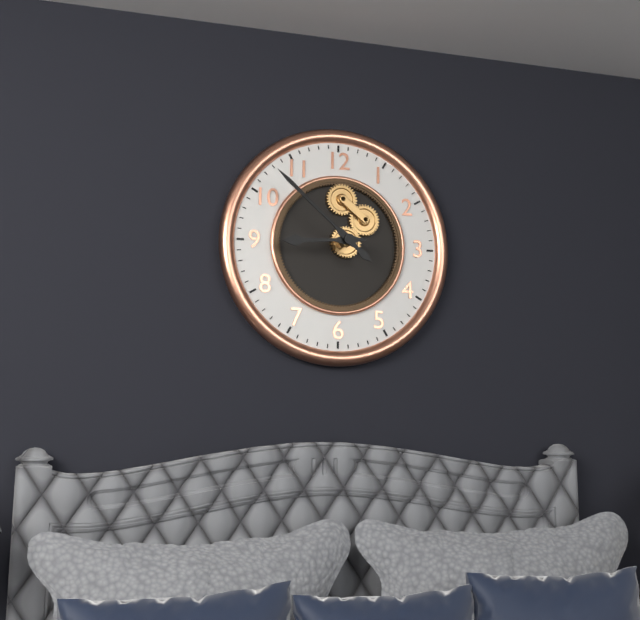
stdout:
h=8 m=52
